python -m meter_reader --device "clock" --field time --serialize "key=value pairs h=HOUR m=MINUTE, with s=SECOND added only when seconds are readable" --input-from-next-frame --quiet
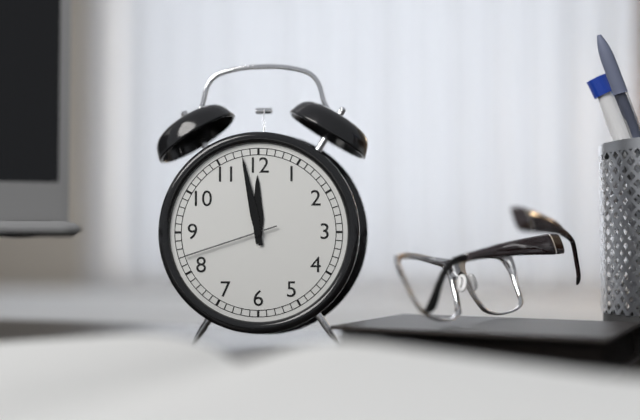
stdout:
h=11 m=58 s=42
